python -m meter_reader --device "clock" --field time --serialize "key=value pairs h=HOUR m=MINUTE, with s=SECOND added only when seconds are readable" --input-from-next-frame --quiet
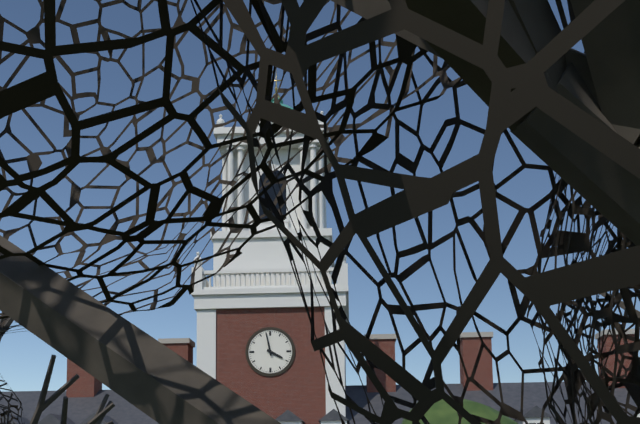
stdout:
h=3 m=58
